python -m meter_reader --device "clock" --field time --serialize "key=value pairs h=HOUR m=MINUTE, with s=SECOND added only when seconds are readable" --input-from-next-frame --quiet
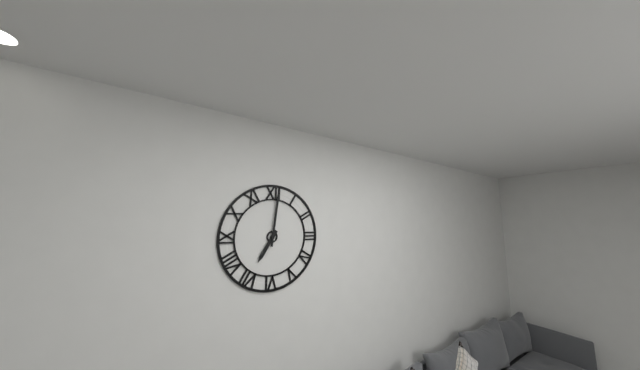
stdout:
h=7 m=1
